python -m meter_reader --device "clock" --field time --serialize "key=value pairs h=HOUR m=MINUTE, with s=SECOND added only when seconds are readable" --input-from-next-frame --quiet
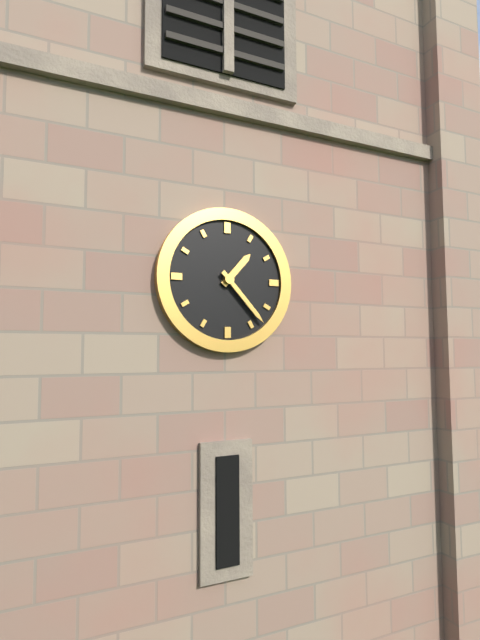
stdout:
h=1 m=23
